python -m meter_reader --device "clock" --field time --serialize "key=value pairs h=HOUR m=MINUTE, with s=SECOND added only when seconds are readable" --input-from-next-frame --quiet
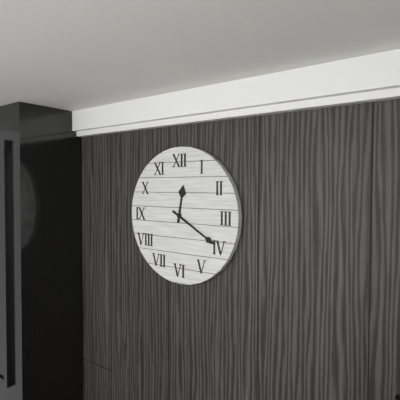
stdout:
h=12 m=20
